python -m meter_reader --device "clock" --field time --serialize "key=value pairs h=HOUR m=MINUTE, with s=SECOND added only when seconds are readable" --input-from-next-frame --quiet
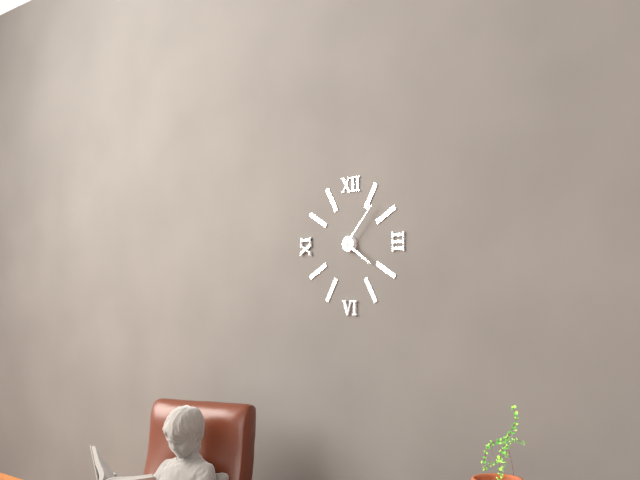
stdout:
h=4 m=7
